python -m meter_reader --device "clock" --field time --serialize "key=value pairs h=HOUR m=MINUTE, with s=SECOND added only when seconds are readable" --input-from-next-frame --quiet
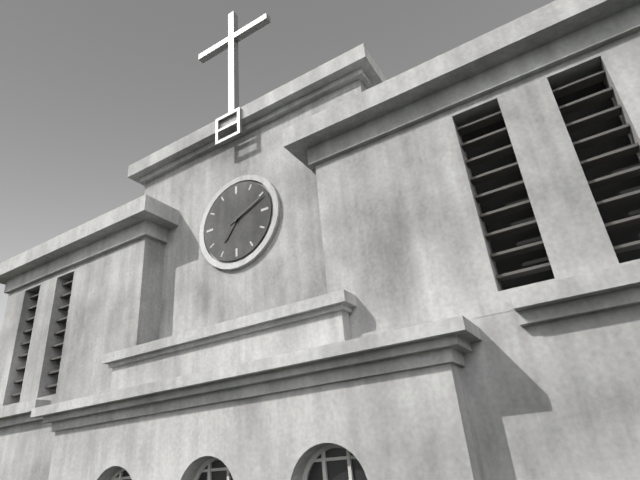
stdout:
h=7 m=11
